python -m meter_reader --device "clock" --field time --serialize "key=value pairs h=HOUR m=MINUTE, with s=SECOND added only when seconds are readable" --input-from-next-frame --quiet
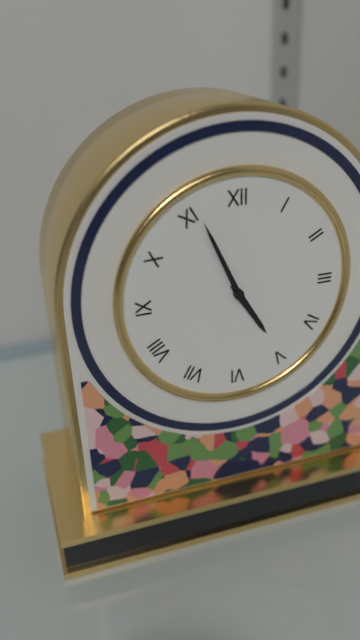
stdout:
h=4 m=56
